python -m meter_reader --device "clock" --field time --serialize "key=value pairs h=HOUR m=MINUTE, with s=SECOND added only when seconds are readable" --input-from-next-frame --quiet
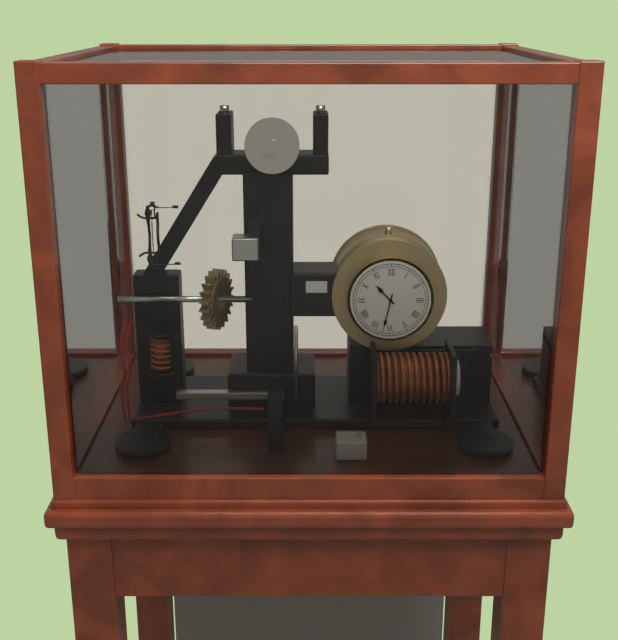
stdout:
h=10 m=32
